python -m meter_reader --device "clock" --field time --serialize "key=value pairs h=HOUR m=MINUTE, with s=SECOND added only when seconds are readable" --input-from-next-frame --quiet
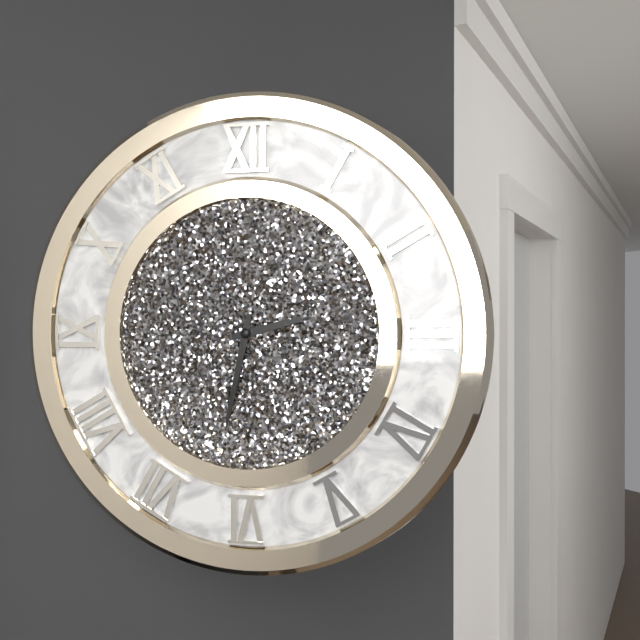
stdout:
h=2 m=32
